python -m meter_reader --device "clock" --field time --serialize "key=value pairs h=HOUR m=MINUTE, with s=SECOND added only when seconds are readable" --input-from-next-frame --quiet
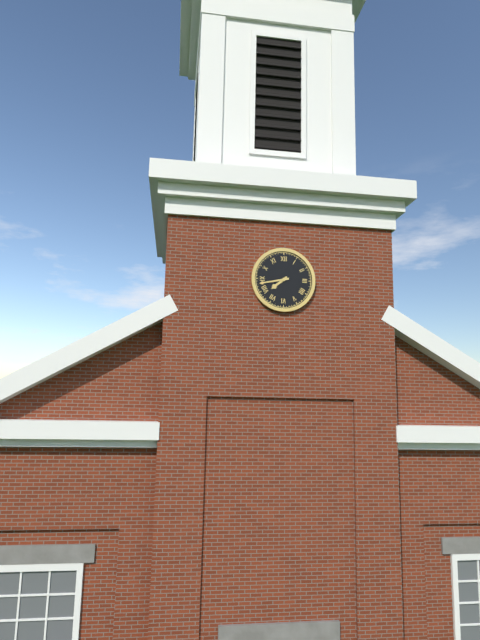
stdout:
h=7 m=43
